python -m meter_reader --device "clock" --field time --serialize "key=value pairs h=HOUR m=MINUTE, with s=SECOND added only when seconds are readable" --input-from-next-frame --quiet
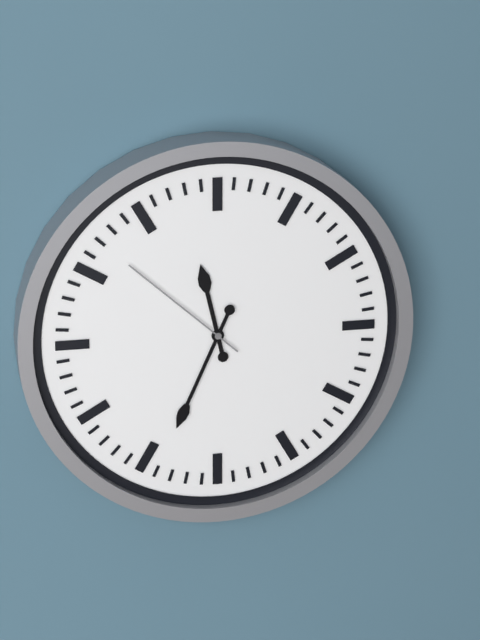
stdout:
h=11 m=34 s=52
